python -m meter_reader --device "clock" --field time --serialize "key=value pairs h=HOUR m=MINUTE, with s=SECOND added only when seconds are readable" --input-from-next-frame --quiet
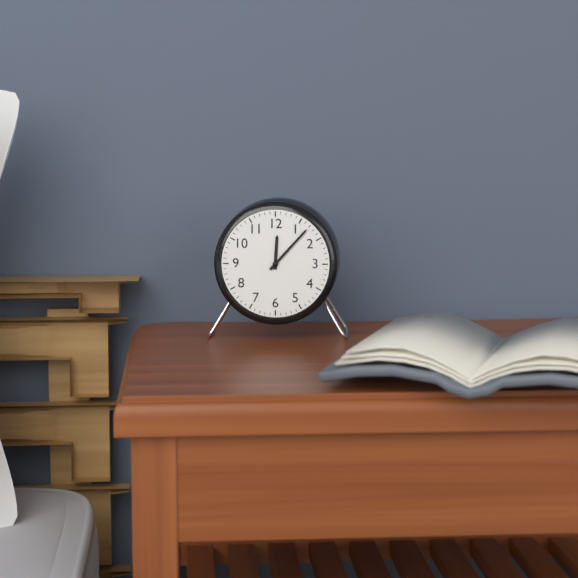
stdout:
h=12 m=7
